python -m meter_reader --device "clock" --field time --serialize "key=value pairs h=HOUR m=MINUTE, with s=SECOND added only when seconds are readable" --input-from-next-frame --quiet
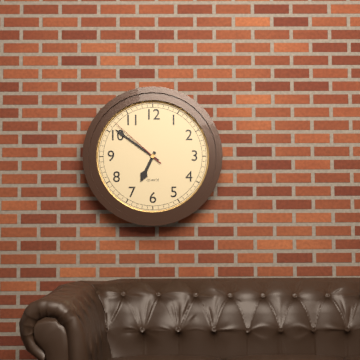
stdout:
h=6 m=51 s=52
